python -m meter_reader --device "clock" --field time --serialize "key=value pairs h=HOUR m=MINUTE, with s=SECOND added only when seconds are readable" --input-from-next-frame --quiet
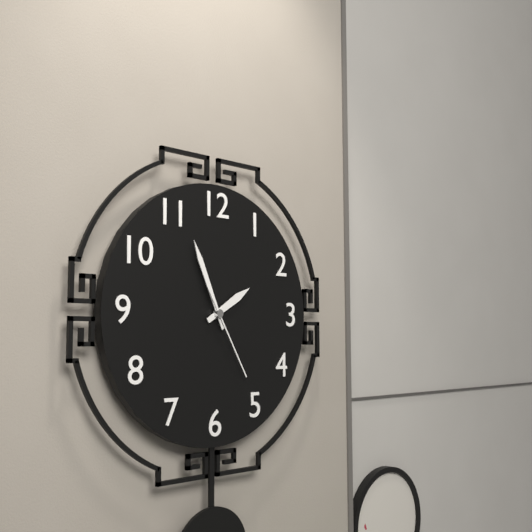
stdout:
h=1 m=56 s=25
